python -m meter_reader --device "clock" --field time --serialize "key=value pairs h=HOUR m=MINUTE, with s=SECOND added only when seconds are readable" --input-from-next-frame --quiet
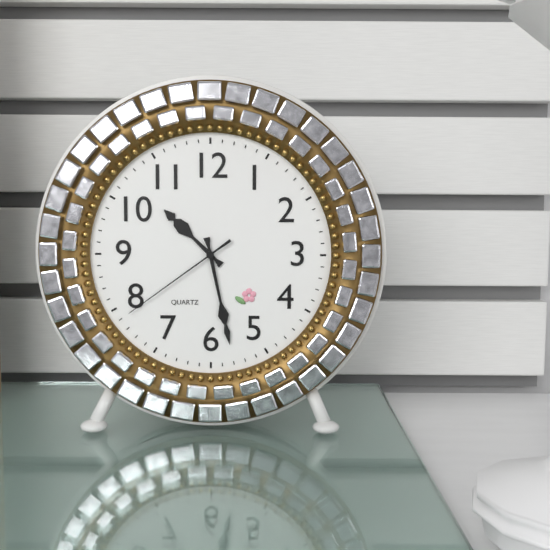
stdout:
h=10 m=28 s=39
